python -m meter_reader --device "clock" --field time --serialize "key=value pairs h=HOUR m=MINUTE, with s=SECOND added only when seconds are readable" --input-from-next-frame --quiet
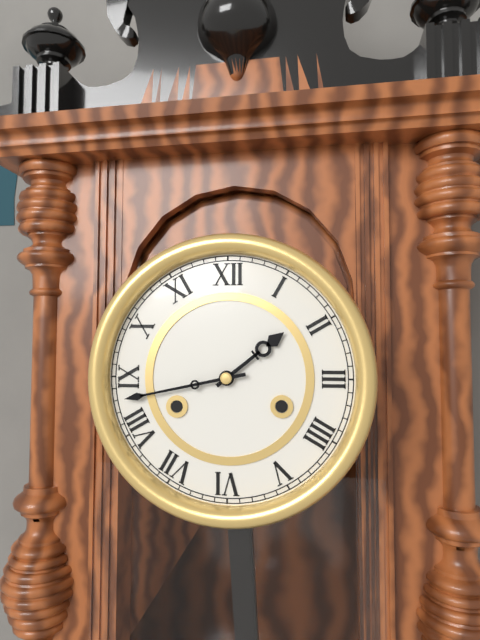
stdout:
h=1 m=43
